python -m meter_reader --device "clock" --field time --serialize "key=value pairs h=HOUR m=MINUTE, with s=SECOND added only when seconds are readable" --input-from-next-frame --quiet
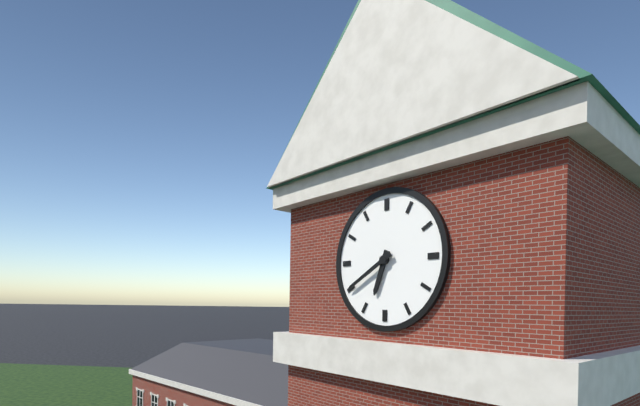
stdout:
h=6 m=40
